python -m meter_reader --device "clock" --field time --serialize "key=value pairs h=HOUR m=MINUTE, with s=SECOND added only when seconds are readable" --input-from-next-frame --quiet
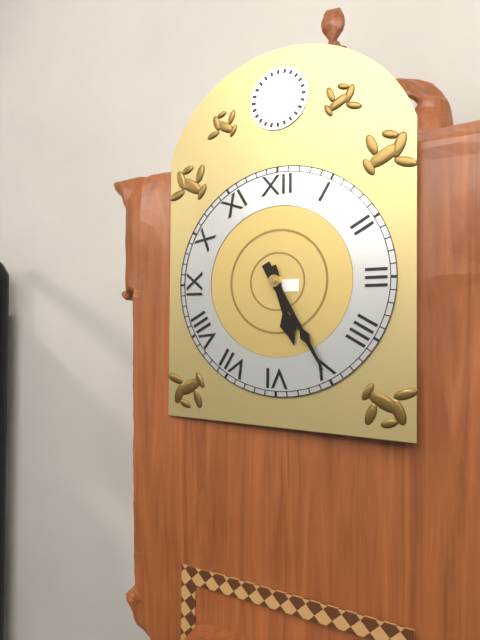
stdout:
h=5 m=25
